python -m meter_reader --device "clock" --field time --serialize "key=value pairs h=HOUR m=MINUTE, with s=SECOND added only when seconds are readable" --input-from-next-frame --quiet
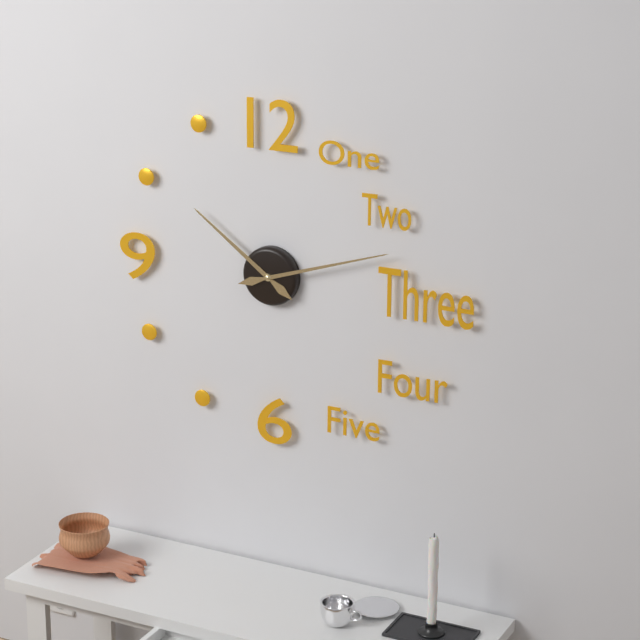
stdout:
h=10 m=12
